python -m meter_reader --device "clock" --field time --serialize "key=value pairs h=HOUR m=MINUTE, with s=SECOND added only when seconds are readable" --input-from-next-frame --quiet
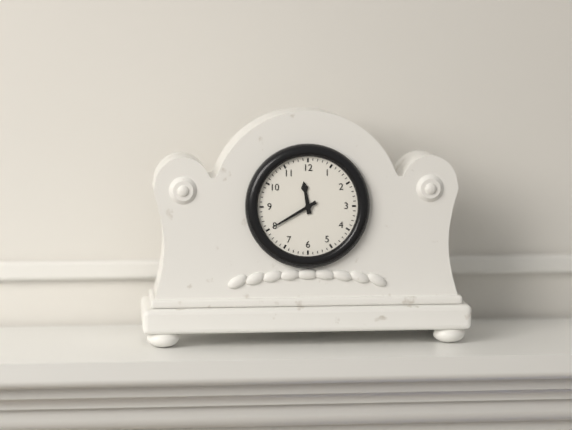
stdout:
h=11 m=40
